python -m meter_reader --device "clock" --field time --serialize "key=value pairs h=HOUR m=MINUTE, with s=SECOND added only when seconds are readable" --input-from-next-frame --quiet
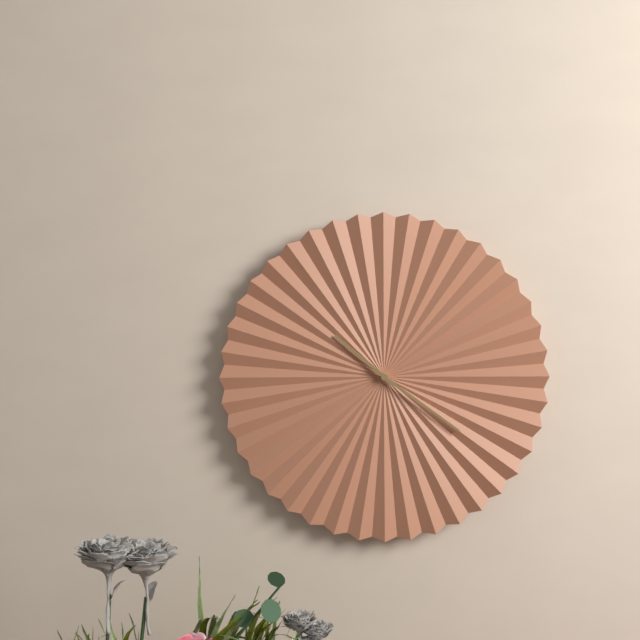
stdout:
h=10 m=21
